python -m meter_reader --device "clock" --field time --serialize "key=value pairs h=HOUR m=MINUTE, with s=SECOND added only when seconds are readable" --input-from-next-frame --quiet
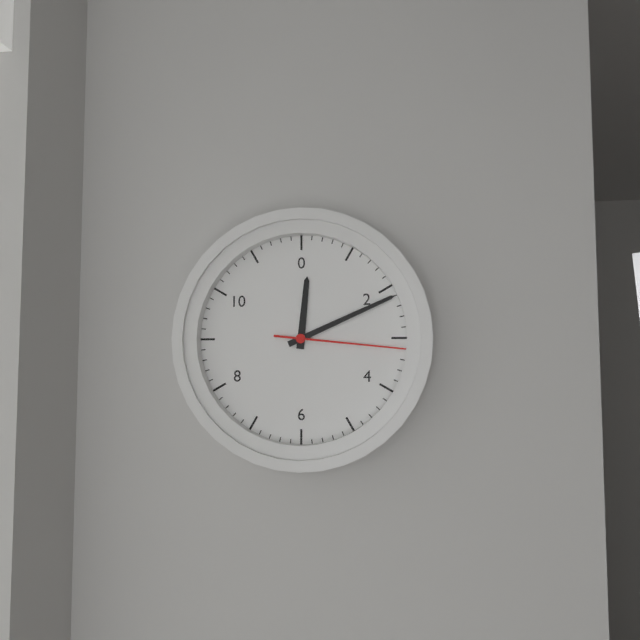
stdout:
h=12 m=11 s=16
